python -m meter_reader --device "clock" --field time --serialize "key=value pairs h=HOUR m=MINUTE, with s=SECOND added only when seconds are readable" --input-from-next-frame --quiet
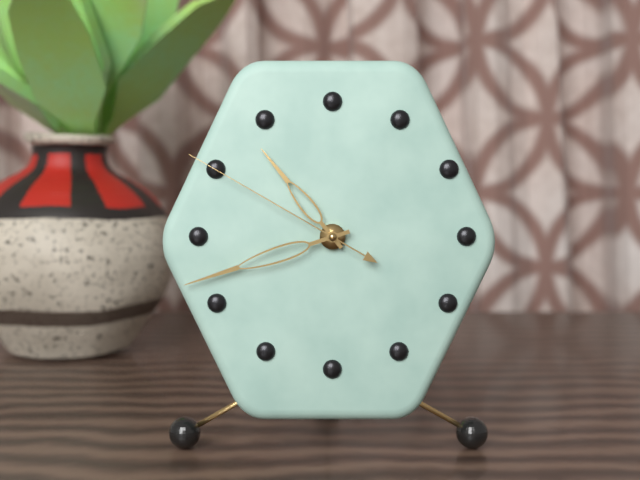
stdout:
h=10 m=42 s=50
